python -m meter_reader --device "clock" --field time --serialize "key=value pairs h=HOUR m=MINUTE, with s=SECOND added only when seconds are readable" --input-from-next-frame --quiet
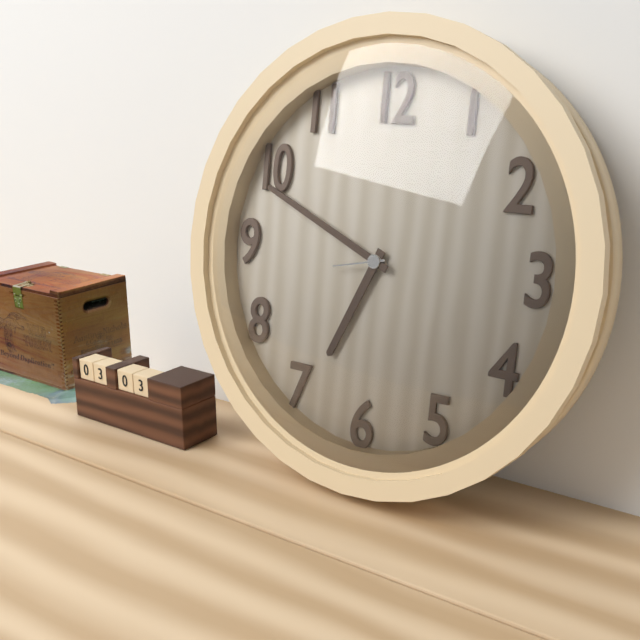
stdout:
h=6 m=49 s=43
